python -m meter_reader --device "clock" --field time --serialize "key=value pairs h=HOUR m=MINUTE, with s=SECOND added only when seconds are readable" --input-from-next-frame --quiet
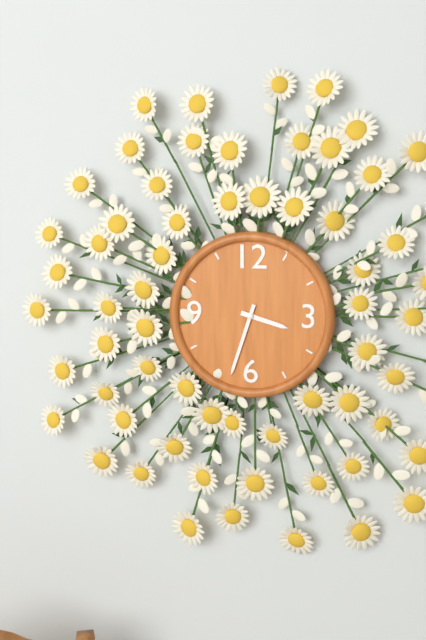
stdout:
h=3 m=33
